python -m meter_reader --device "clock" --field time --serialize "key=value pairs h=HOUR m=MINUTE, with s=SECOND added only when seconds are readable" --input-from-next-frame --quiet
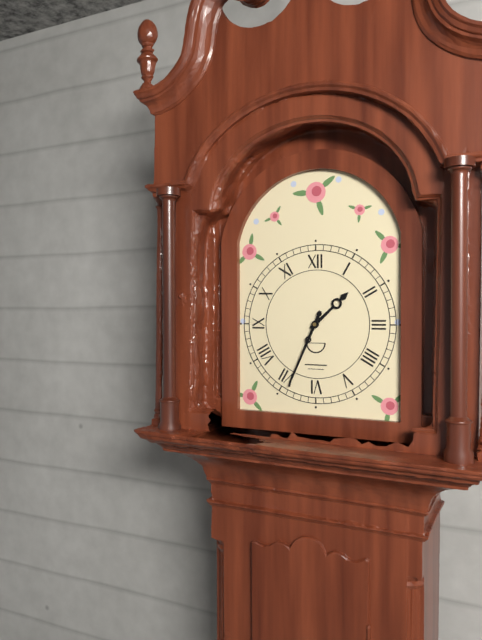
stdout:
h=1 m=34
